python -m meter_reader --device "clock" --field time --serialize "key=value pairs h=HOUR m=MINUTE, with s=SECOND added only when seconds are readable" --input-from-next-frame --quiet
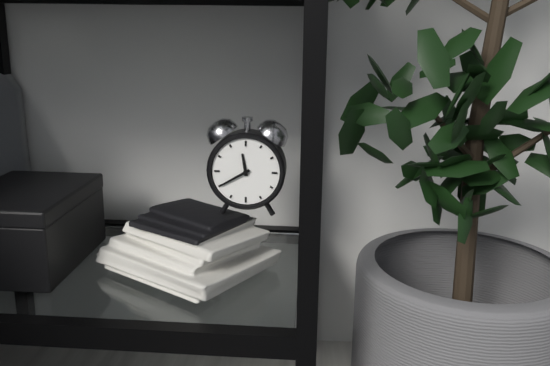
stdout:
h=11 m=40
